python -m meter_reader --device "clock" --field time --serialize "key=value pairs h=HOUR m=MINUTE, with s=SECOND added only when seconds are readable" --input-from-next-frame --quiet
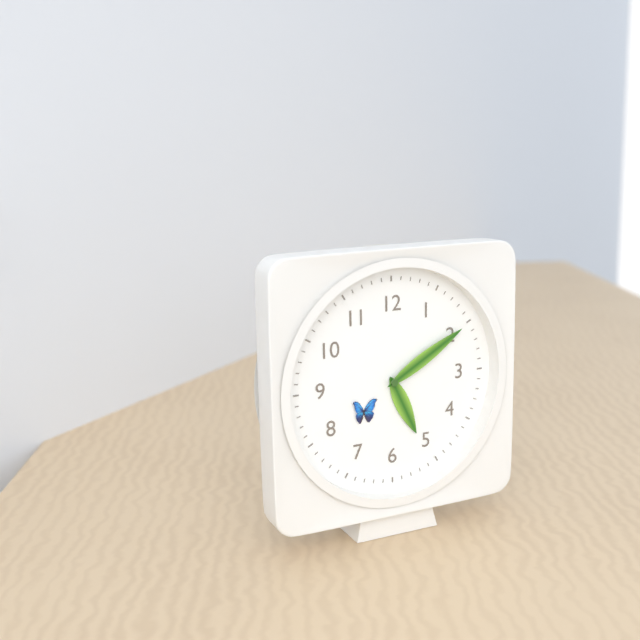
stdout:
h=5 m=10
